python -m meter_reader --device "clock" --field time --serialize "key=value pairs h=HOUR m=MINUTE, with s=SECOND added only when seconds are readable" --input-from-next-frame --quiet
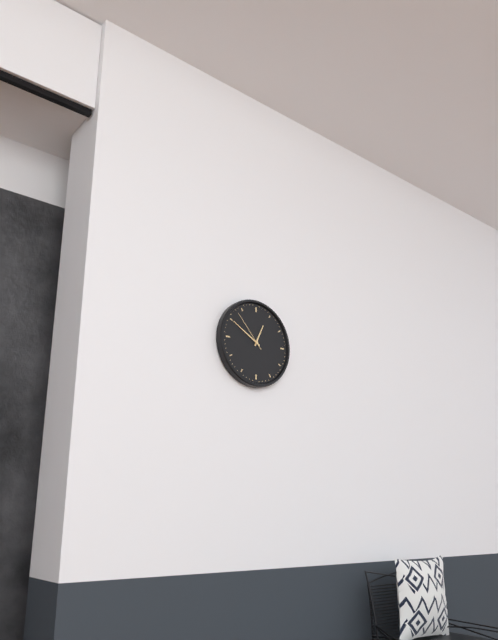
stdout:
h=12 m=50
